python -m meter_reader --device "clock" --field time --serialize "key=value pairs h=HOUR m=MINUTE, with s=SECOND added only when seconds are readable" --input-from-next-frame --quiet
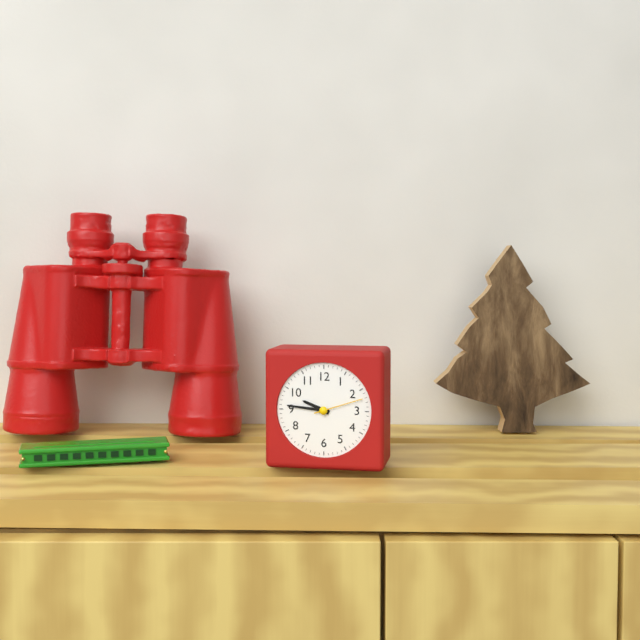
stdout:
h=9 m=46 s=12
